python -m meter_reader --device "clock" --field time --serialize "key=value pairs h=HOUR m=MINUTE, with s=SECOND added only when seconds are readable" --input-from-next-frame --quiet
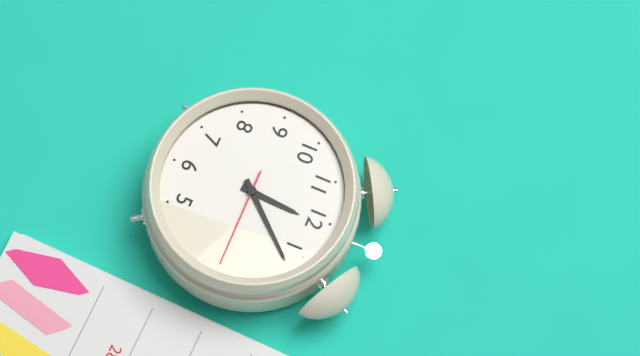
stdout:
h=12 m=7 s=15
